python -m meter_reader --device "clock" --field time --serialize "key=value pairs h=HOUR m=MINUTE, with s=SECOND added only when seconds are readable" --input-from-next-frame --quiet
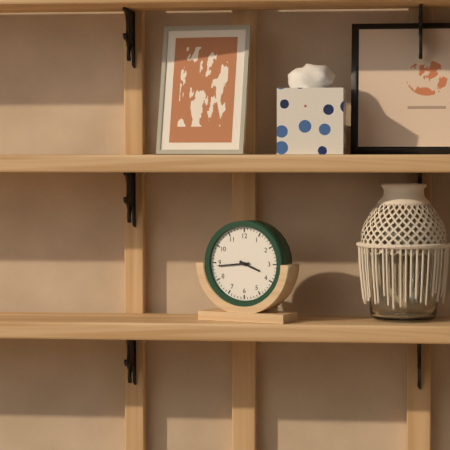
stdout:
h=3 m=44
